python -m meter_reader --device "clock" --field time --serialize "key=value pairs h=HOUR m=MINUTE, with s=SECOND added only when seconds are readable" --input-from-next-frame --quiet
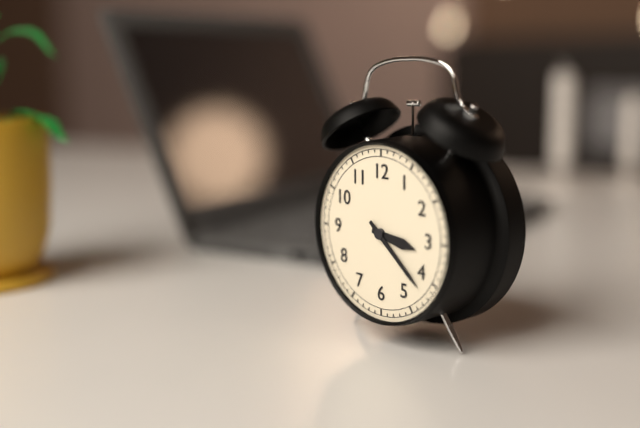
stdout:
h=3 m=22
